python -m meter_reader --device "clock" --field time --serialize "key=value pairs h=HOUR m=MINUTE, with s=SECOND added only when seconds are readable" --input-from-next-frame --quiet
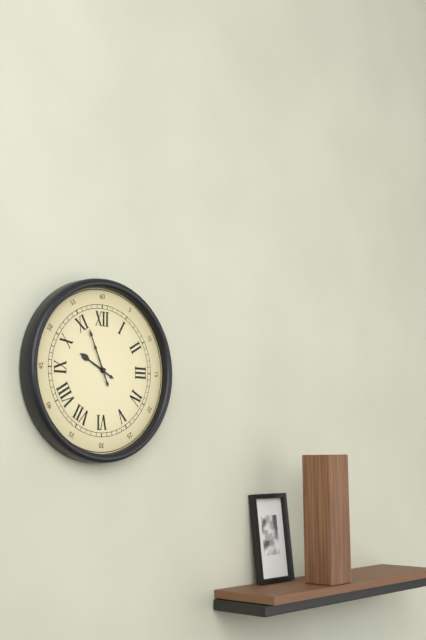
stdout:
h=9 m=56
